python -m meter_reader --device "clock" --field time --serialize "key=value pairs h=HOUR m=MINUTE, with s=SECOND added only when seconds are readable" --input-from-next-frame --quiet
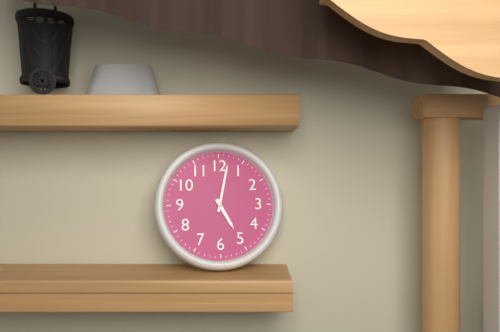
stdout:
h=5 m=2
